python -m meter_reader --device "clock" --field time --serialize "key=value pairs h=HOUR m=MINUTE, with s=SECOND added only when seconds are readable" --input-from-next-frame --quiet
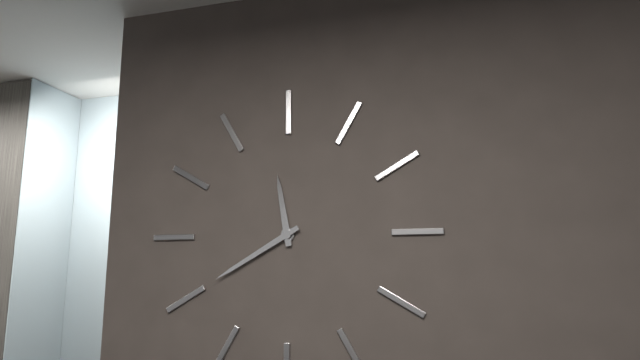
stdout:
h=11 m=40
